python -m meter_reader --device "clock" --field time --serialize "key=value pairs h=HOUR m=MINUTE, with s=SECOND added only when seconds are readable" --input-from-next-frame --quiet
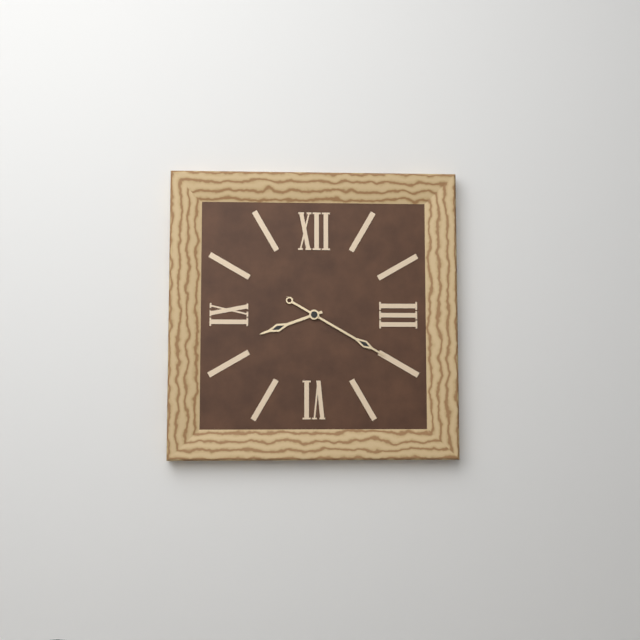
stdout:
h=8 m=20
